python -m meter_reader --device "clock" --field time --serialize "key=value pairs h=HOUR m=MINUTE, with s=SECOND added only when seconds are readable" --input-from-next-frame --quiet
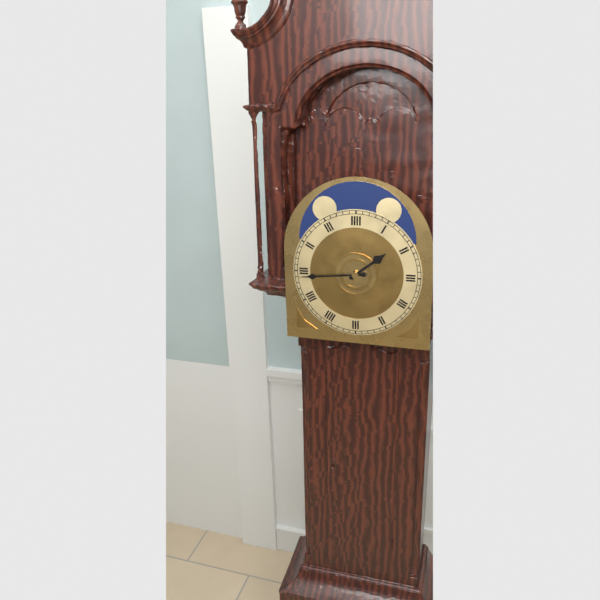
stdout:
h=1 m=44
